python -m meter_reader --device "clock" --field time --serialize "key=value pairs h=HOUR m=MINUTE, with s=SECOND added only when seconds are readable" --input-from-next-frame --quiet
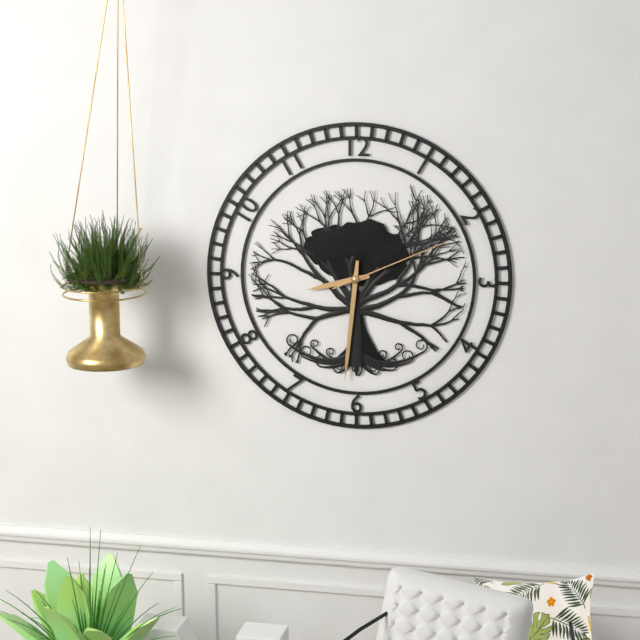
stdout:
h=8 m=31 s=11
